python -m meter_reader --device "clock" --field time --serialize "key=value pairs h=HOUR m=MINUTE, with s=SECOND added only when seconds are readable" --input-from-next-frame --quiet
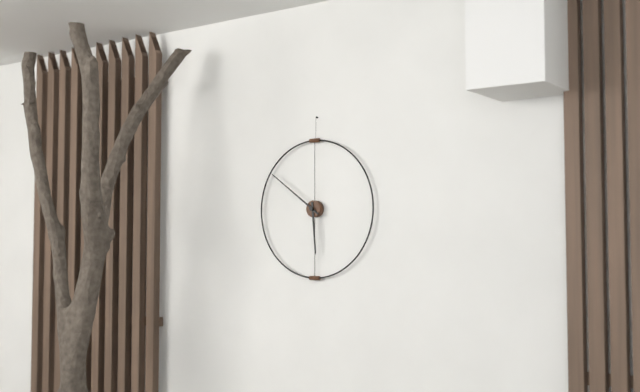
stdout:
h=5 m=51
